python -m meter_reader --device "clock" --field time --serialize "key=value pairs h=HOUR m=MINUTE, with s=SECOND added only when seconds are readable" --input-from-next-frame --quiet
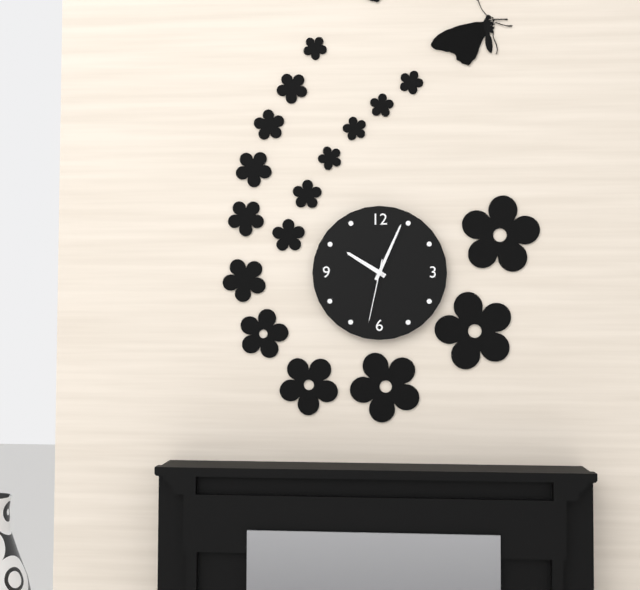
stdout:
h=10 m=4 s=32
